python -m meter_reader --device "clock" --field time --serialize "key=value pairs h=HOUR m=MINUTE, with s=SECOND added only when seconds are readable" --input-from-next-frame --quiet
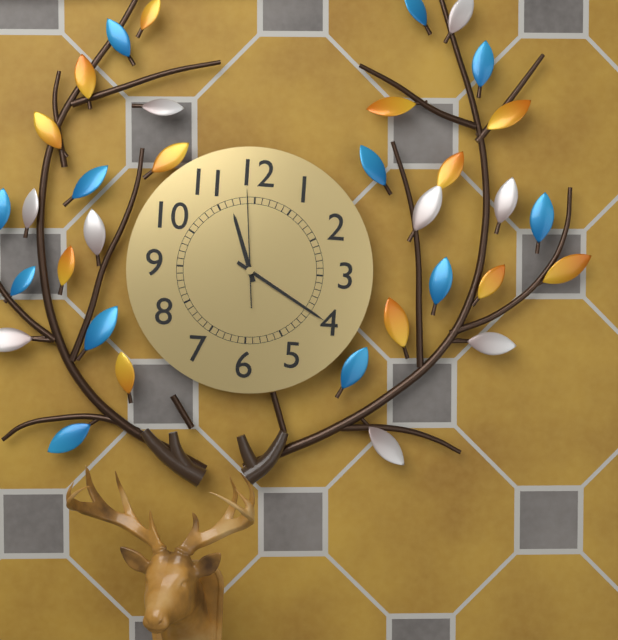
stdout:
h=11 m=20 s=59
